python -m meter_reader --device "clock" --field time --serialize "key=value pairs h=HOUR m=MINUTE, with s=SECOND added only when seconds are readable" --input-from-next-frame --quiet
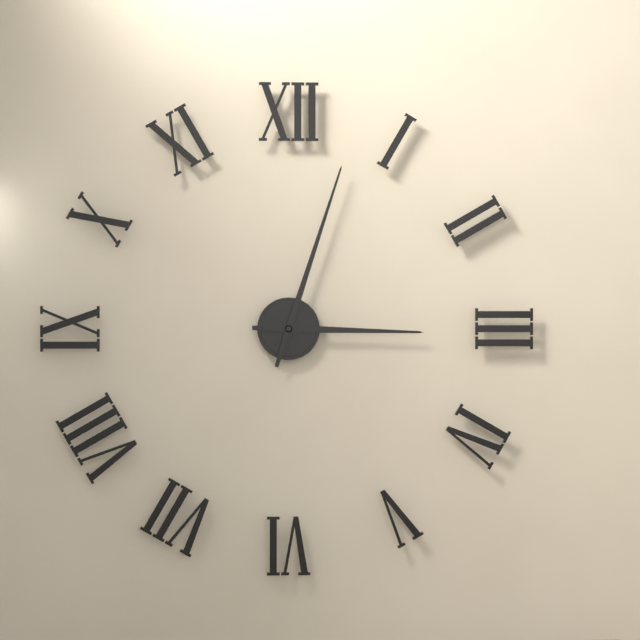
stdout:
h=3 m=3
